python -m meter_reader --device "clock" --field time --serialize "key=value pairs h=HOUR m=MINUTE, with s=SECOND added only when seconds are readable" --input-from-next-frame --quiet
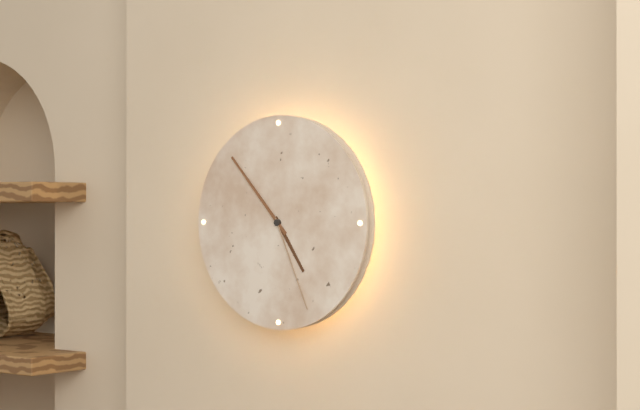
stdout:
h=4 m=53 s=26
